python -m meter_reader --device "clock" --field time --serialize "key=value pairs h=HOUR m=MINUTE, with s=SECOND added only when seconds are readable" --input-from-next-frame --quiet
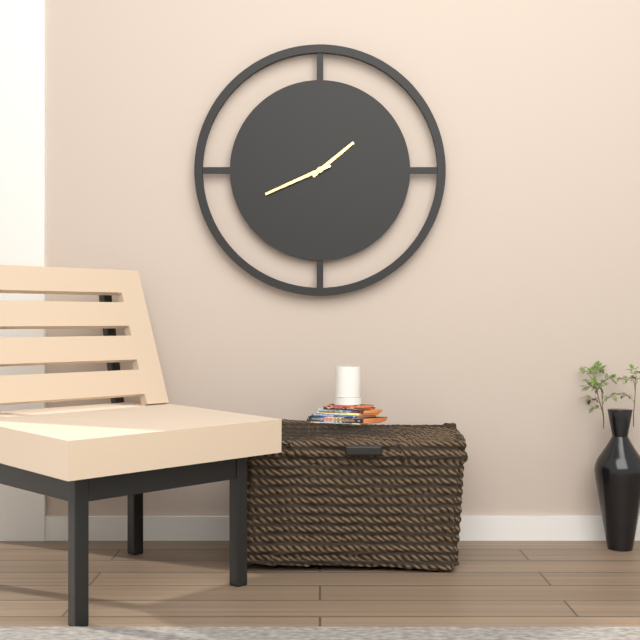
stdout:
h=1 m=41
